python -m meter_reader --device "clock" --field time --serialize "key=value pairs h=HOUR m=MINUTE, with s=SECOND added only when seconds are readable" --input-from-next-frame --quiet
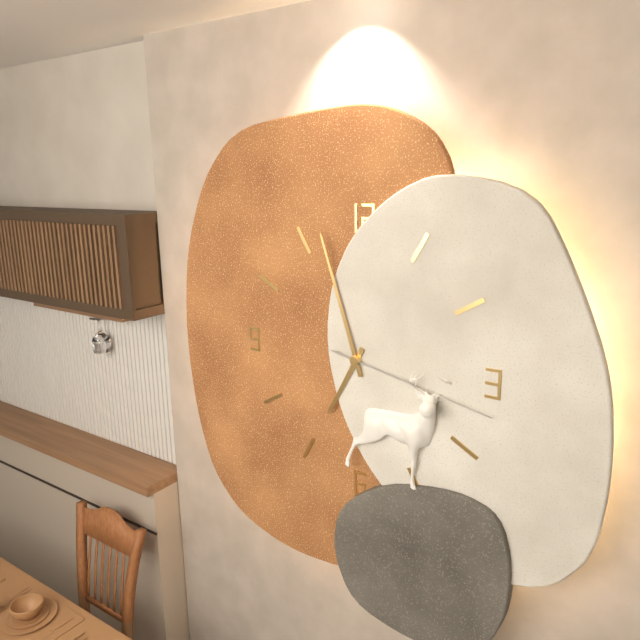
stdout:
h=6 m=57 s=17
